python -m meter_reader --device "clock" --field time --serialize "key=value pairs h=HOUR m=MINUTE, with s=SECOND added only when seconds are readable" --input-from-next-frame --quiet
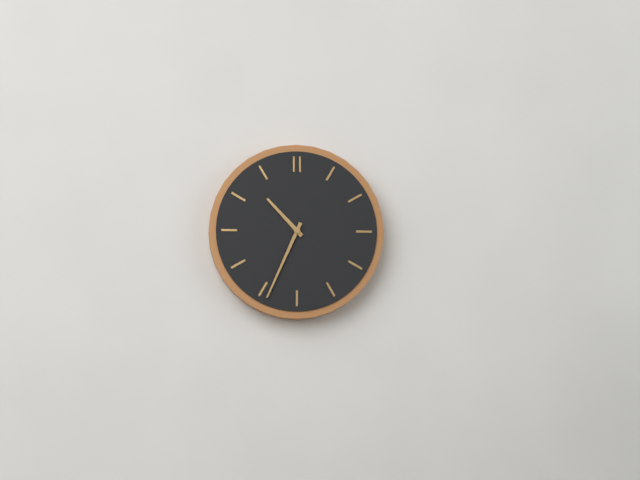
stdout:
h=10 m=34
